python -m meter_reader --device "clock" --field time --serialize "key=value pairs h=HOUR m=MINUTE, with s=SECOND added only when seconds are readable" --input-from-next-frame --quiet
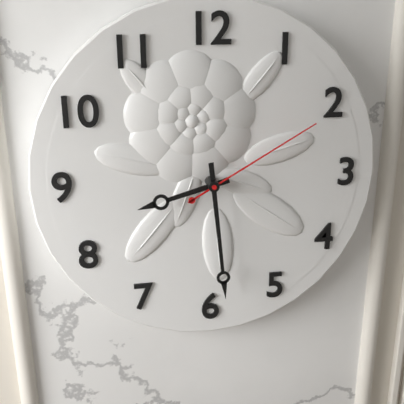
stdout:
h=8 m=29 s=10
